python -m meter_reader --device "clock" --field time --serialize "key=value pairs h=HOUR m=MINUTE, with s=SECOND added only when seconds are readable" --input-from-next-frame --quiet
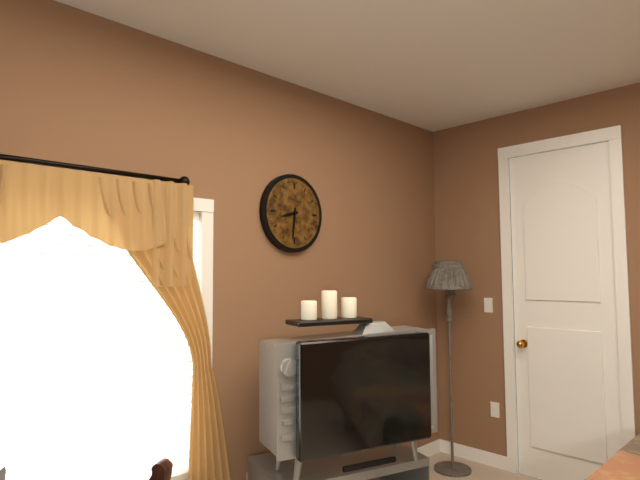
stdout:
h=8 m=31
